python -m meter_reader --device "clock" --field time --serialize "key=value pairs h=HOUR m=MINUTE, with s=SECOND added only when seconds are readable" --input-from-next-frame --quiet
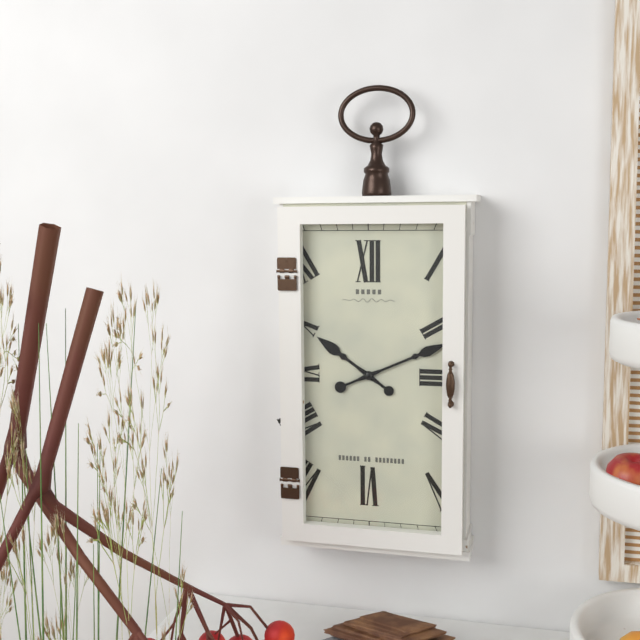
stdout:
h=10 m=11
